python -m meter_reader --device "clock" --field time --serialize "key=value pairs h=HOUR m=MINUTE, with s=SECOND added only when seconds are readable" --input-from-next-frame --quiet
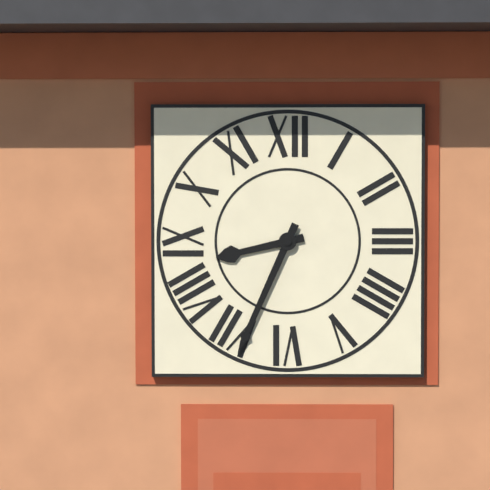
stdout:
h=8 m=34
